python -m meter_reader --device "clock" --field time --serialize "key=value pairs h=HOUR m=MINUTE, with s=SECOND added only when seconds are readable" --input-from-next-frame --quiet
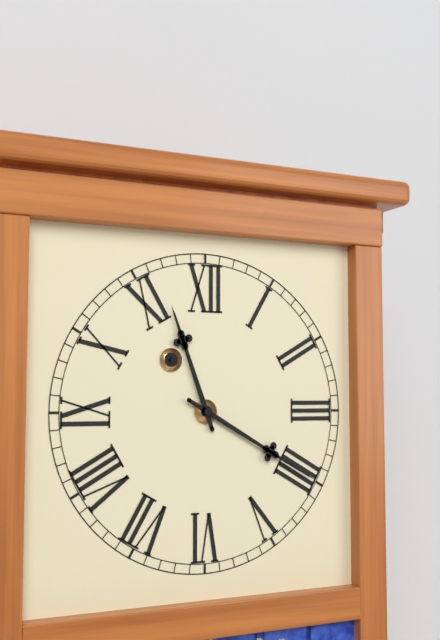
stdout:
h=11 m=20
